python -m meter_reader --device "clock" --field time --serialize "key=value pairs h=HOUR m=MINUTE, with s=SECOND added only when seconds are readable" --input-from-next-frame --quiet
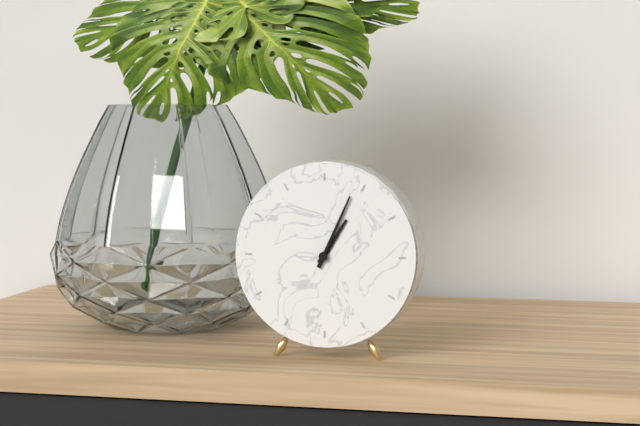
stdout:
h=1 m=4
